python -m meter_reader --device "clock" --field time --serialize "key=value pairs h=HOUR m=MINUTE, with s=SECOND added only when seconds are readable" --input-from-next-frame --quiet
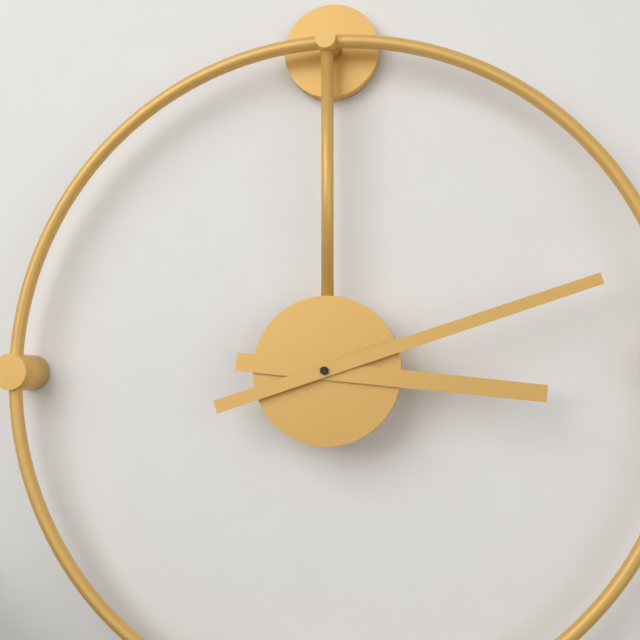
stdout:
h=3 m=12
